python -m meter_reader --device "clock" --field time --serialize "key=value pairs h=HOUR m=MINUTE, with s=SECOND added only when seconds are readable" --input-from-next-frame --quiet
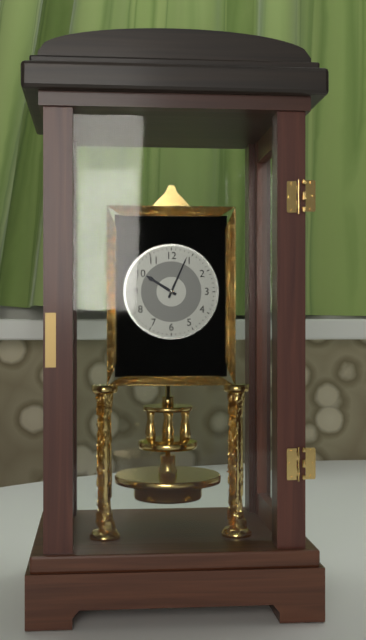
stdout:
h=10 m=4
